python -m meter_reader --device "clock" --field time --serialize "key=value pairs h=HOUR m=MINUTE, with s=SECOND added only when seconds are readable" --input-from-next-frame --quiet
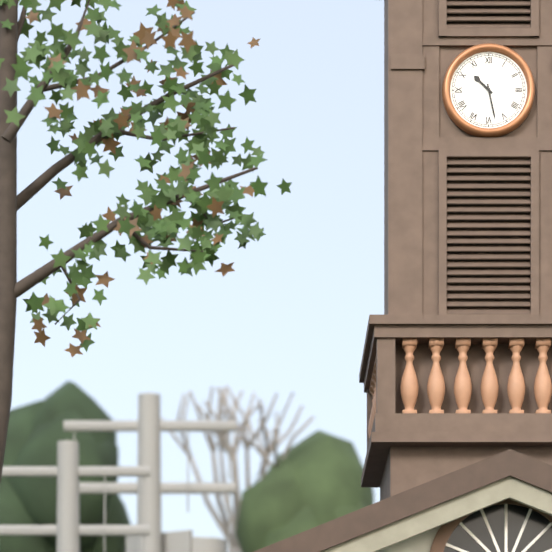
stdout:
h=10 m=28
